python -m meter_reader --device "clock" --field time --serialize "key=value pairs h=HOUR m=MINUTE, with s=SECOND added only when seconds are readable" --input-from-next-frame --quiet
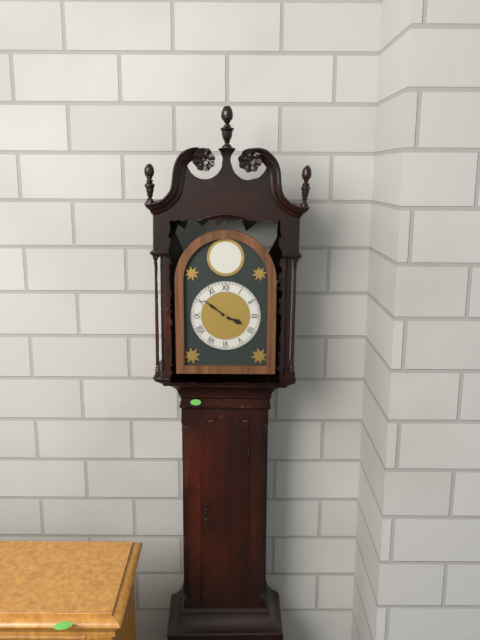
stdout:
h=3 m=51
